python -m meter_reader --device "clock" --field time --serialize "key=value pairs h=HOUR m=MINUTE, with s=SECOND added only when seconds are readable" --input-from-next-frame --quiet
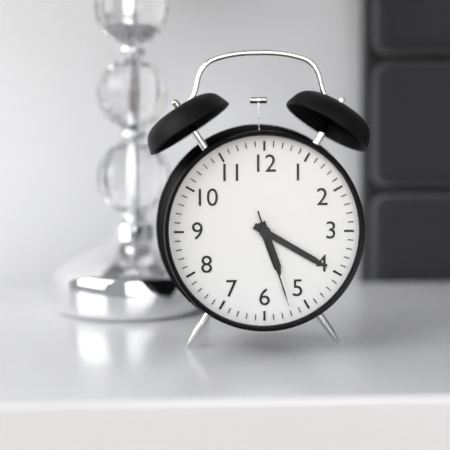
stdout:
h=5 m=20 s=27
